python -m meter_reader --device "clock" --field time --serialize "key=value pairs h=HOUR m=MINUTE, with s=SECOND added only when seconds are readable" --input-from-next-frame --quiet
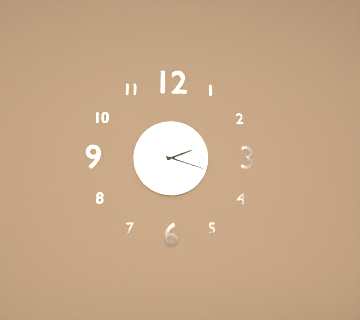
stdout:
h=2 m=18
